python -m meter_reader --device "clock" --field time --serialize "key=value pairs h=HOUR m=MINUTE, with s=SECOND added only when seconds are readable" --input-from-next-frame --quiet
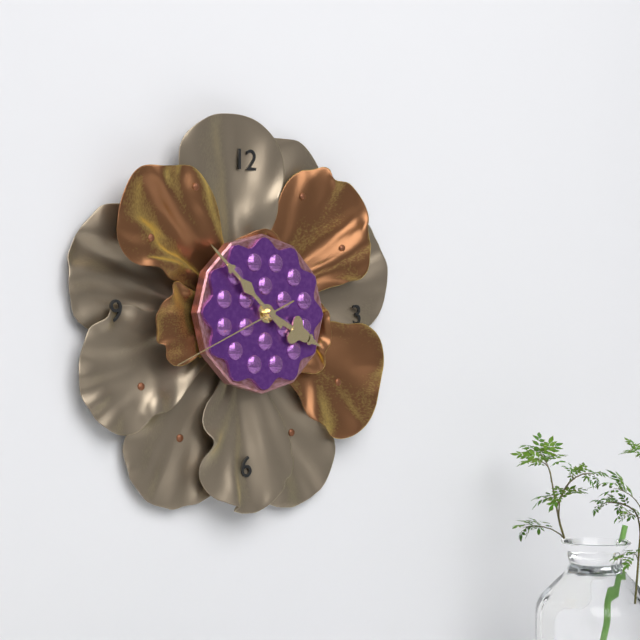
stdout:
h=3 m=52 s=41
